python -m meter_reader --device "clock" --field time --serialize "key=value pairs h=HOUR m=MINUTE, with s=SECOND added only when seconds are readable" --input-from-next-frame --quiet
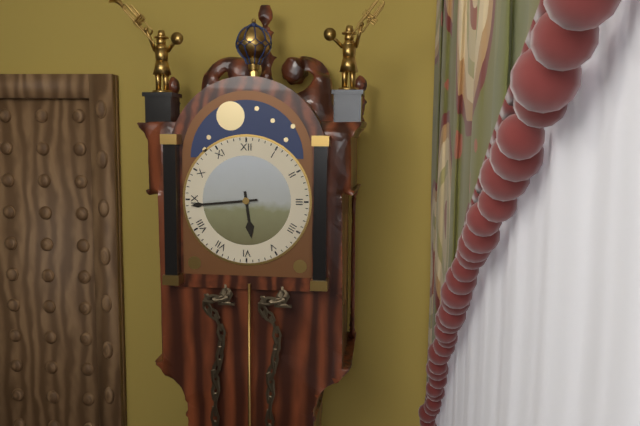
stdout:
h=5 m=44
